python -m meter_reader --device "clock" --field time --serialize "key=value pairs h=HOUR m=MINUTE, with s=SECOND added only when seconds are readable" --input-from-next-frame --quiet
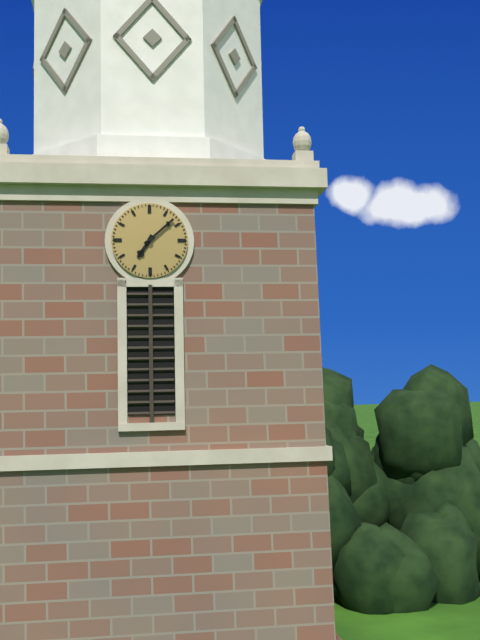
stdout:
h=7 m=8
